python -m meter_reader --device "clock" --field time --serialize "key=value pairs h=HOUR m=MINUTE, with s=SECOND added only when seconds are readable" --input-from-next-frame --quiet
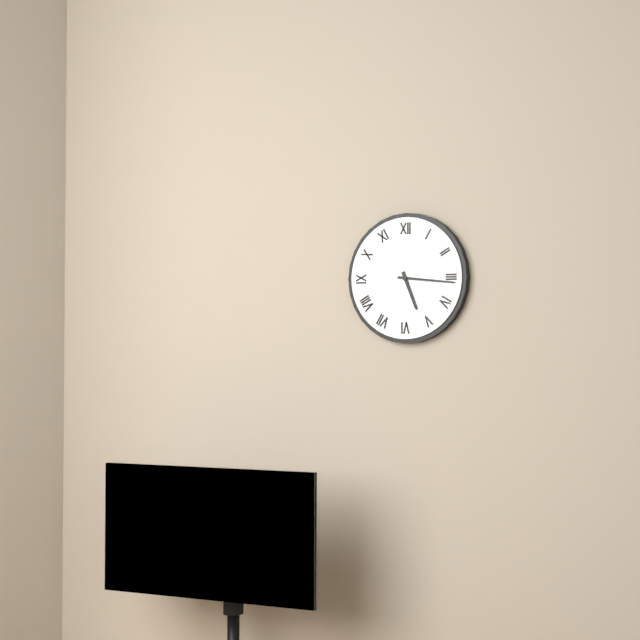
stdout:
h=5 m=16
